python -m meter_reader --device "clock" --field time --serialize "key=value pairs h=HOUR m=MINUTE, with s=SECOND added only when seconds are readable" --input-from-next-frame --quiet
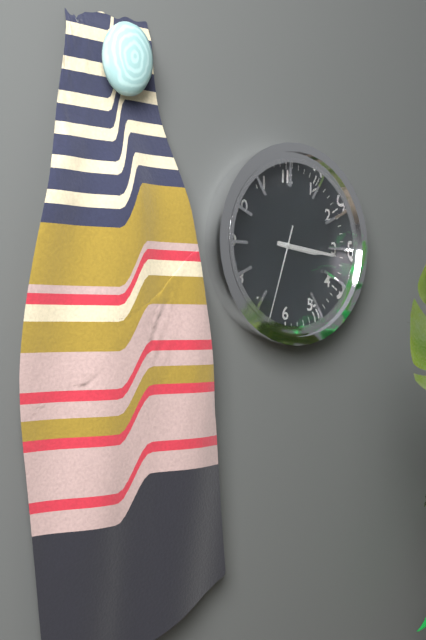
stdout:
h=3 m=16 s=33
